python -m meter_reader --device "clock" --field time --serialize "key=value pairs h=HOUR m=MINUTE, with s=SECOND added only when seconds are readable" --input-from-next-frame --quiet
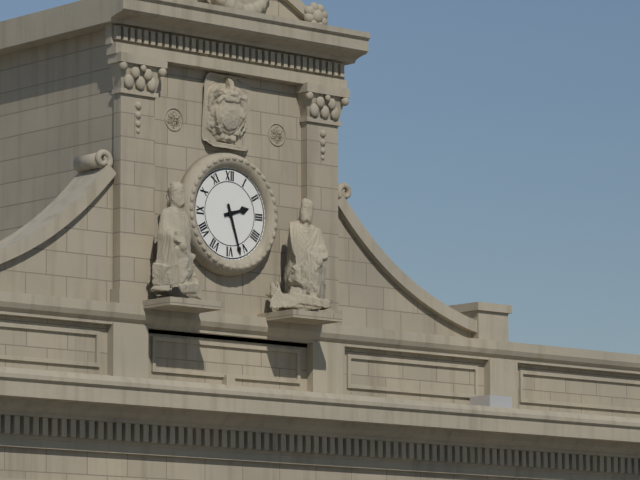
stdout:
h=2 m=27
